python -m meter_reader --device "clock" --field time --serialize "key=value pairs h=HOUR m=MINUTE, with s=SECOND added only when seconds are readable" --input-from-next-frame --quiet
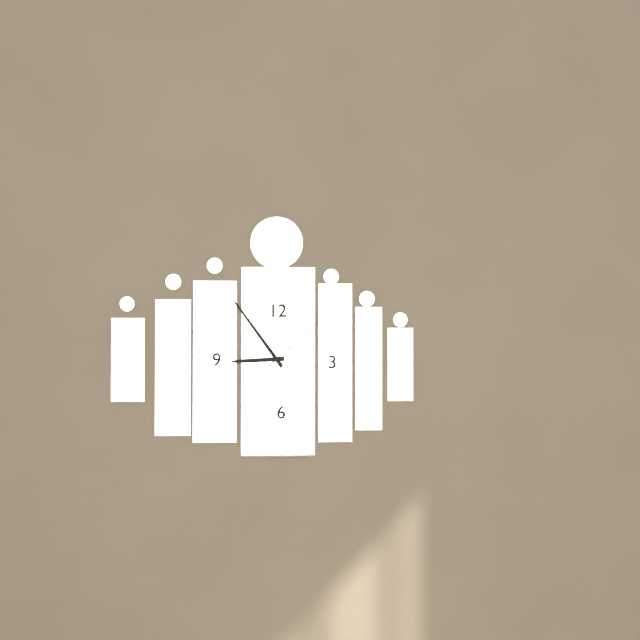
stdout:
h=8 m=54 s=8
